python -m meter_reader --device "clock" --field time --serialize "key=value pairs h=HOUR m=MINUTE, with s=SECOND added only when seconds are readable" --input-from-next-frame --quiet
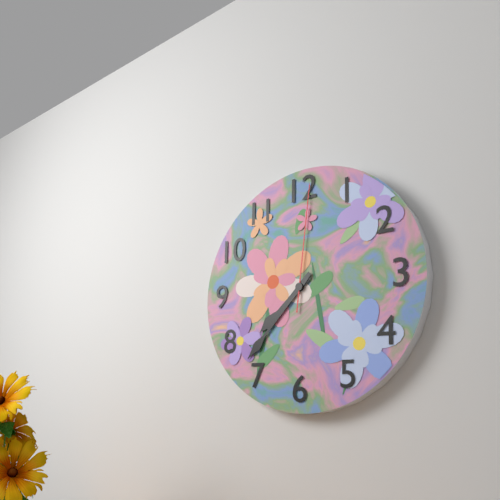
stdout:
h=7 m=37 s=1
